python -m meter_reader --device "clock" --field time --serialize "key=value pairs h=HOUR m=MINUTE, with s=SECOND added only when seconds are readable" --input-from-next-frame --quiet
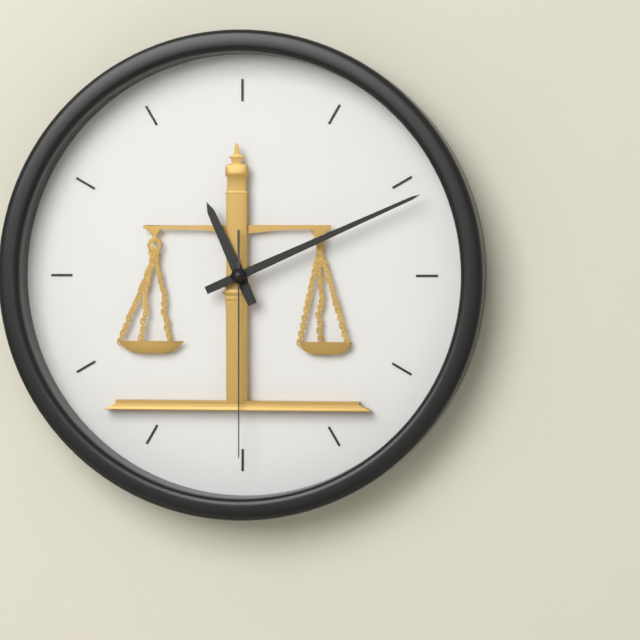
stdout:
h=11 m=11 s=30
